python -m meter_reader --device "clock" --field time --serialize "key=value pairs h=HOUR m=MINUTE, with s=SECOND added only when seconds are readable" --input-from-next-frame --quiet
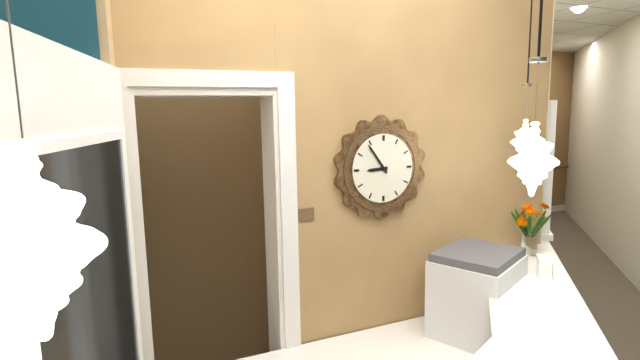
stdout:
h=8 m=54
